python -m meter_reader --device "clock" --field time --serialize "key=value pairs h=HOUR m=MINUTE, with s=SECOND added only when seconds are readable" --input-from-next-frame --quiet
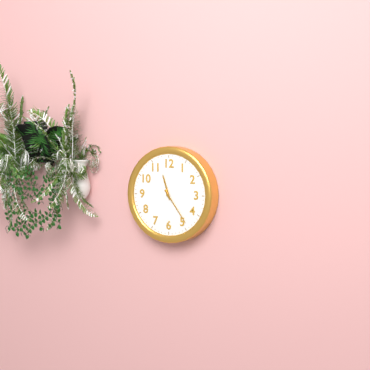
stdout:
h=11 m=24
